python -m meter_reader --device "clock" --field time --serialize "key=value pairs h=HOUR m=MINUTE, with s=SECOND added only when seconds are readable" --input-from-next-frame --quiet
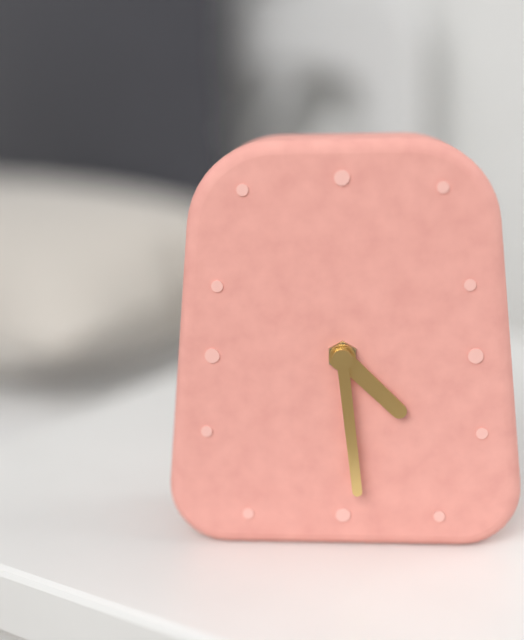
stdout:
h=4 m=29
